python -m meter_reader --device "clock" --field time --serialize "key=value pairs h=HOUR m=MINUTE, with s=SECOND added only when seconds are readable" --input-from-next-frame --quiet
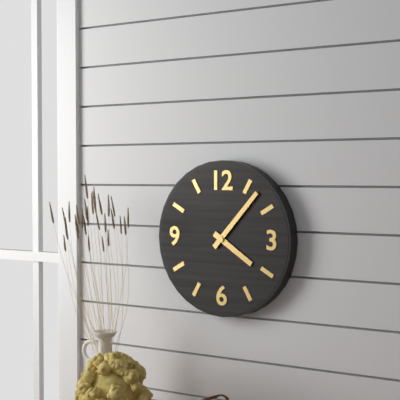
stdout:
h=4 m=7
